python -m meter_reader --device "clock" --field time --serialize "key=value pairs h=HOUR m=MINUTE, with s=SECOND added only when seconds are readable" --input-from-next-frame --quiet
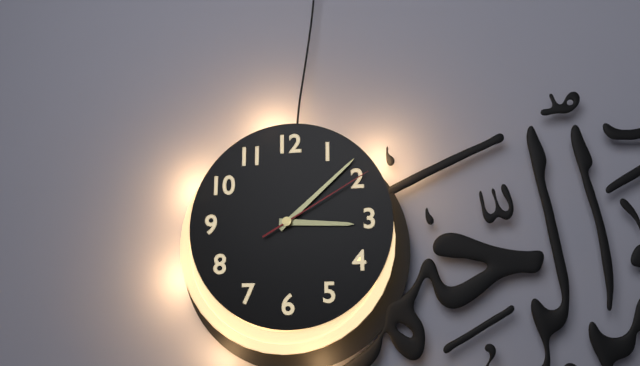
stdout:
h=3 m=8 s=10
